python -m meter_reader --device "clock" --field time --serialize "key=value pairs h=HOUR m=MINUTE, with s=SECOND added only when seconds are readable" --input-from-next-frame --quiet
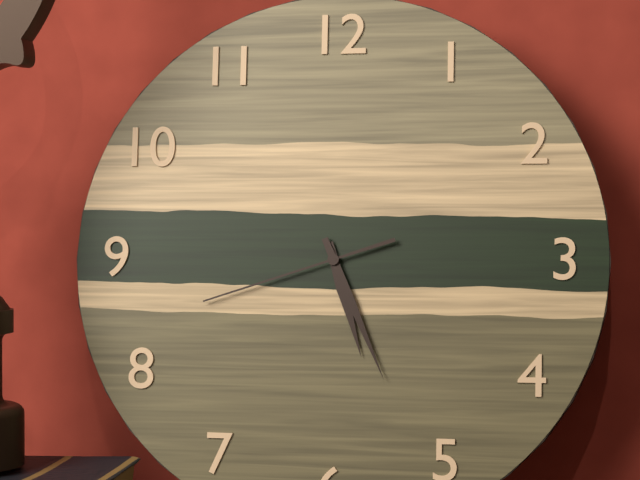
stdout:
h=5 m=26 s=42
